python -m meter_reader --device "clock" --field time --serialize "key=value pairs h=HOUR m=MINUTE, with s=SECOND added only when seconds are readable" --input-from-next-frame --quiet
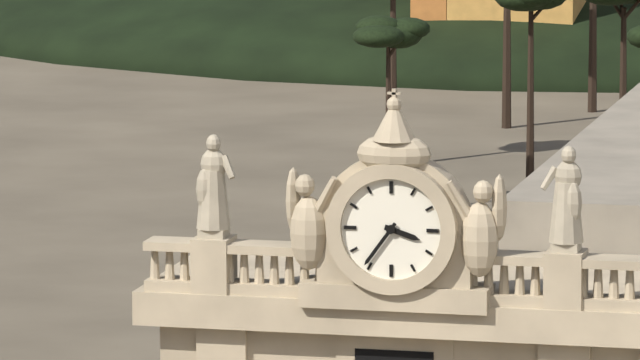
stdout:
h=3 m=36
